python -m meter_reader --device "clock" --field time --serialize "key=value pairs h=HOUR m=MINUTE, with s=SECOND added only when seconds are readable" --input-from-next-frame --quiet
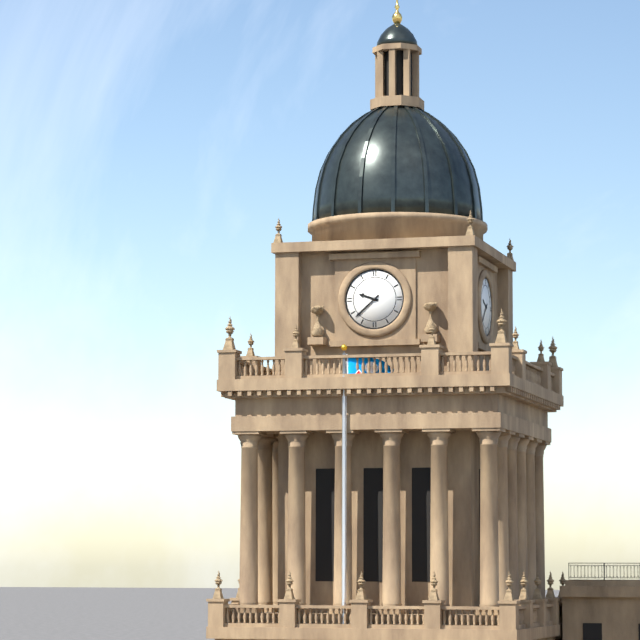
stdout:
h=9 m=38
